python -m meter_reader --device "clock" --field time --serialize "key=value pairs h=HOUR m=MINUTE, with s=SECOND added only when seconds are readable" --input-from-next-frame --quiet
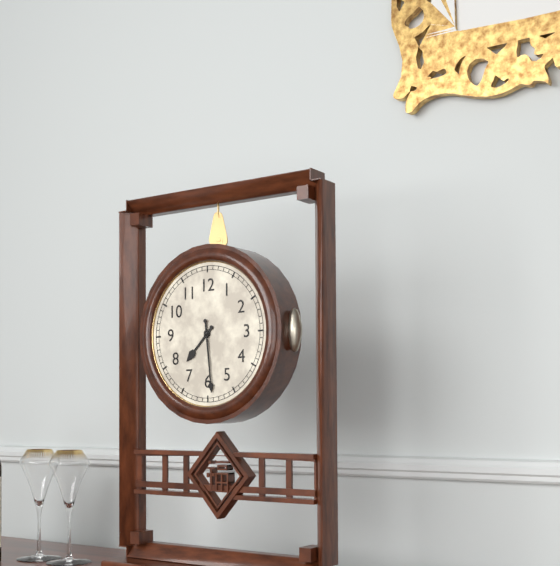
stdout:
h=7 m=29
